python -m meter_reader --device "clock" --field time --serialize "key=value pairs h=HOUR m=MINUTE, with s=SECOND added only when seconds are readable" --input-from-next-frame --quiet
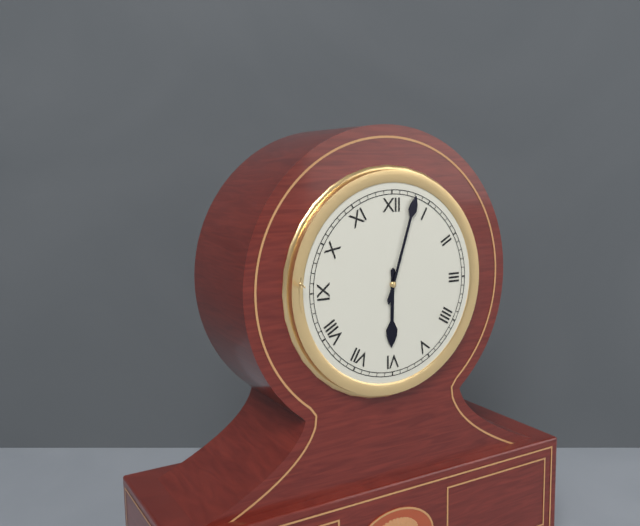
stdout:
h=6 m=3
